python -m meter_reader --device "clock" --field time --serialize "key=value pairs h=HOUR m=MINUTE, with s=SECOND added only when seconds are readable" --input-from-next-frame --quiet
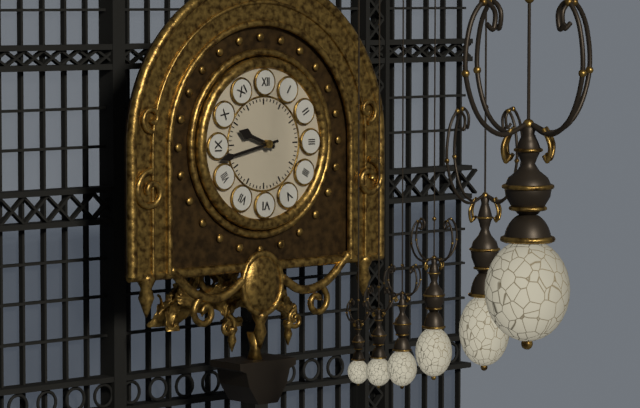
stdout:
h=9 m=43
